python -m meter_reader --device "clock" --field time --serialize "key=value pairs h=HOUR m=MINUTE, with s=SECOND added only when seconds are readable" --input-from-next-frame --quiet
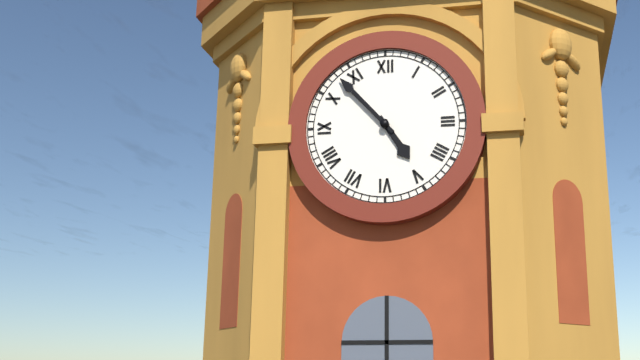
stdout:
h=4 m=53
